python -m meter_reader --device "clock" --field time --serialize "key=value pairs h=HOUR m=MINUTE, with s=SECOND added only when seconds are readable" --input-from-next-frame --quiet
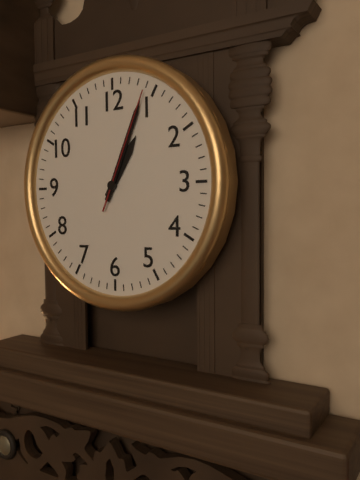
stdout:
h=1 m=4 s=4
